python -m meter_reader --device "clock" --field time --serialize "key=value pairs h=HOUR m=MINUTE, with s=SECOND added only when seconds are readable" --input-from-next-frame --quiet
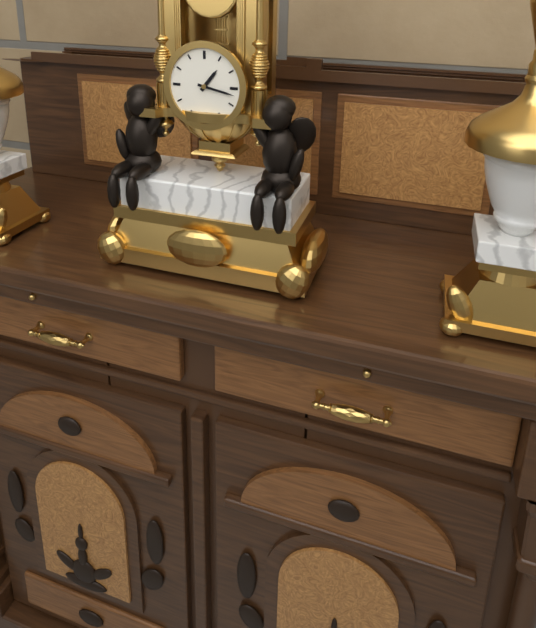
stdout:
h=1 m=17
